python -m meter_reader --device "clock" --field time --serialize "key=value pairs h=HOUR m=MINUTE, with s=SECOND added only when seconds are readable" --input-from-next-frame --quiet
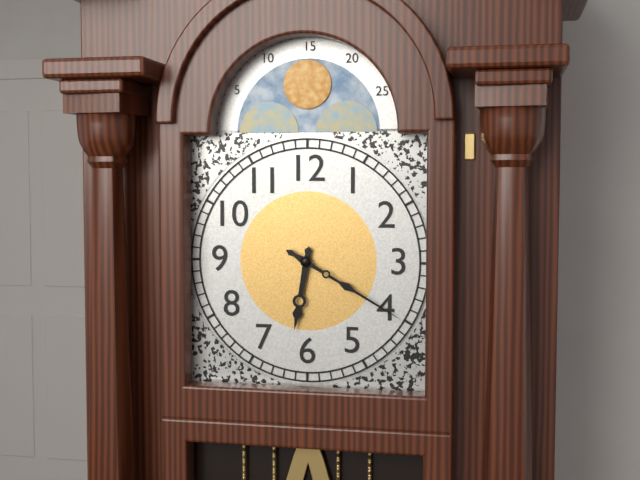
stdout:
h=6 m=20
